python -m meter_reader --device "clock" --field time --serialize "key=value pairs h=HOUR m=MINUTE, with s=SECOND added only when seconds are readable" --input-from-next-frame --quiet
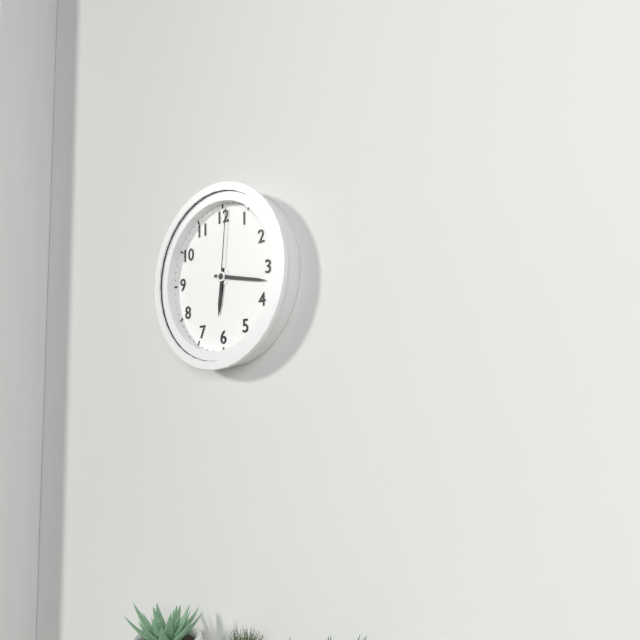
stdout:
h=6 m=17 s=1
